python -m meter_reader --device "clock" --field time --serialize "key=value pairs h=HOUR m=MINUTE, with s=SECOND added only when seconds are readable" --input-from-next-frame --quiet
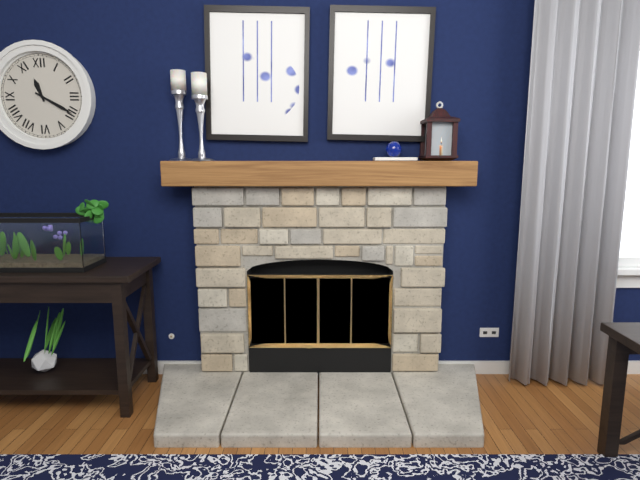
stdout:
h=11 m=20
